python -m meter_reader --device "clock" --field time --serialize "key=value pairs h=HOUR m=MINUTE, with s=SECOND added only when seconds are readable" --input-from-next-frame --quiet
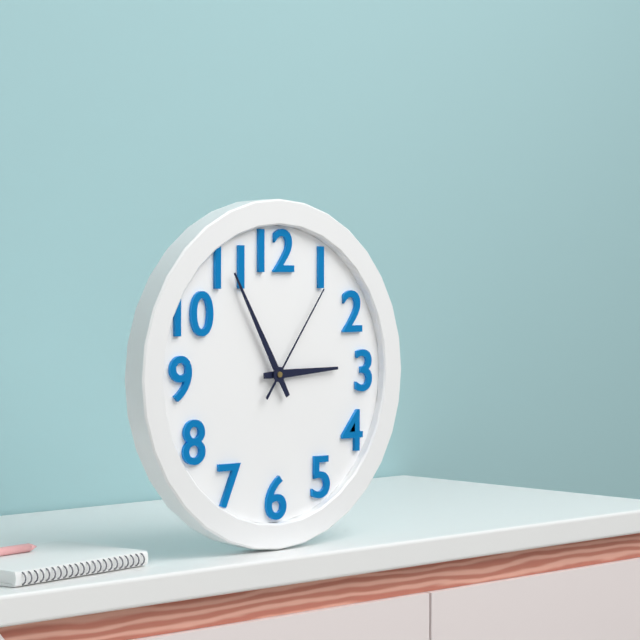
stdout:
h=2 m=55 s=6
